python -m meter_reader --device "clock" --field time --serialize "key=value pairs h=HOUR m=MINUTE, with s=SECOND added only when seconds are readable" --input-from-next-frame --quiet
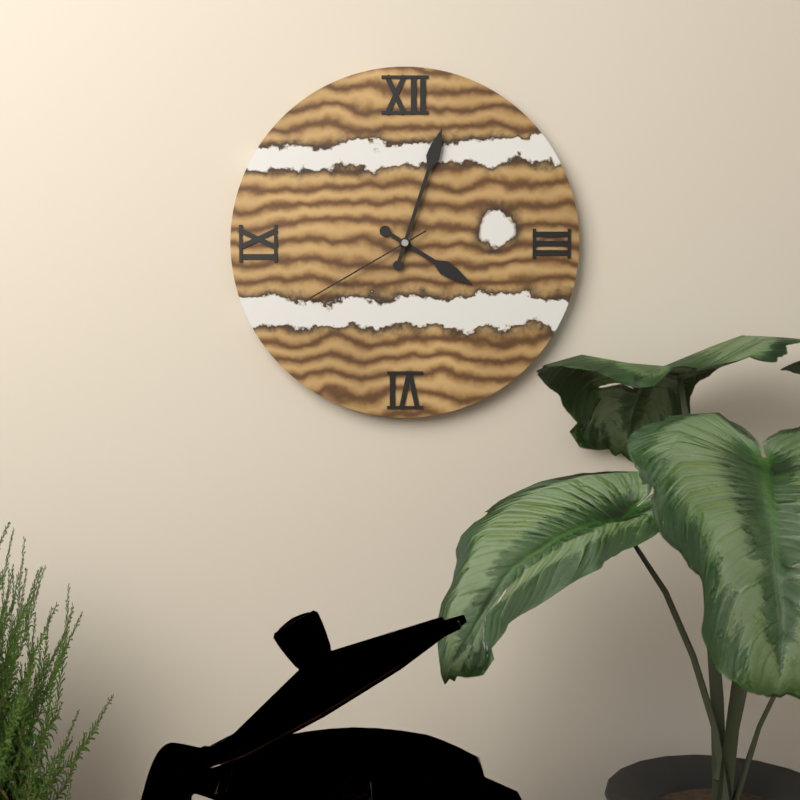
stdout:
h=4 m=3 s=40
